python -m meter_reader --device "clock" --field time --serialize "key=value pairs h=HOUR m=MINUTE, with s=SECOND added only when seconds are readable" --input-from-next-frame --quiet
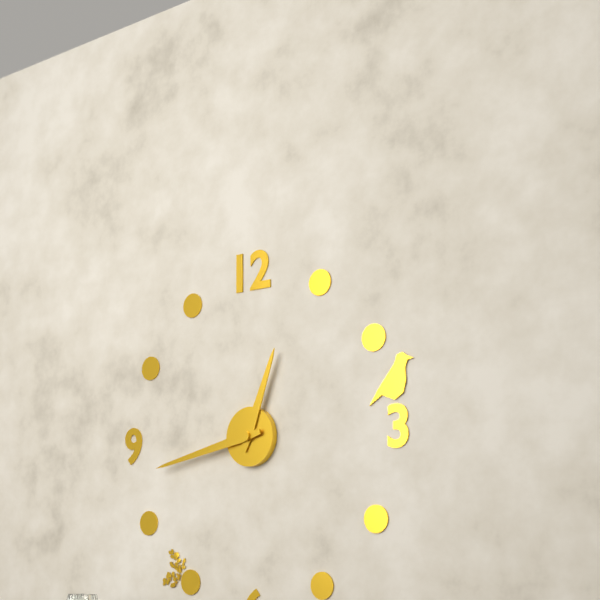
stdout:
h=12 m=43
